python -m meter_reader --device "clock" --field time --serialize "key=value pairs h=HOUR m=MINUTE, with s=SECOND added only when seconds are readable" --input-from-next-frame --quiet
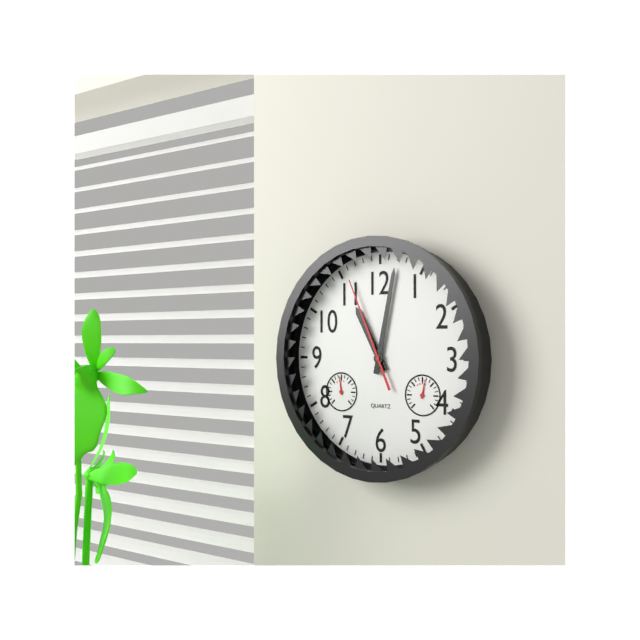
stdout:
h=11 m=2 s=56
